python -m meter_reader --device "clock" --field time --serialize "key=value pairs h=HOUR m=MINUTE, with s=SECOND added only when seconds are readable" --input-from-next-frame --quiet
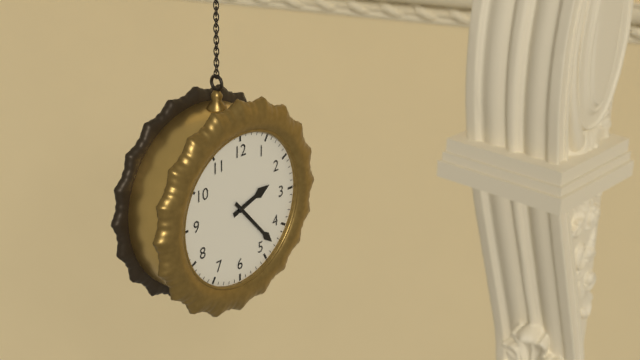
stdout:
h=2 m=23
